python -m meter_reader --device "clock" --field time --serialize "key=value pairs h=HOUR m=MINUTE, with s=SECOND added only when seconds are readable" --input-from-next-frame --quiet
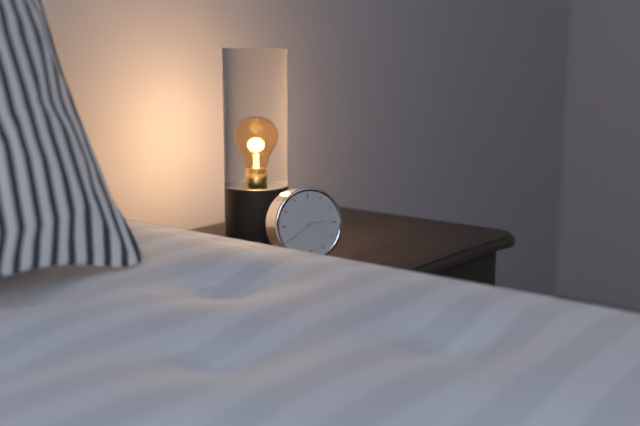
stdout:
h=2 m=40
